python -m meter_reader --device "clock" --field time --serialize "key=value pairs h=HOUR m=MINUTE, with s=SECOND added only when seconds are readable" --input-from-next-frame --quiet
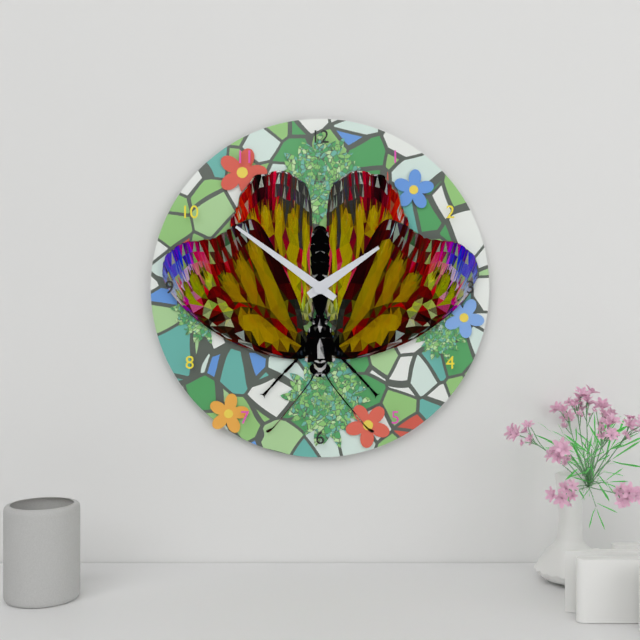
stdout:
h=1 m=51
